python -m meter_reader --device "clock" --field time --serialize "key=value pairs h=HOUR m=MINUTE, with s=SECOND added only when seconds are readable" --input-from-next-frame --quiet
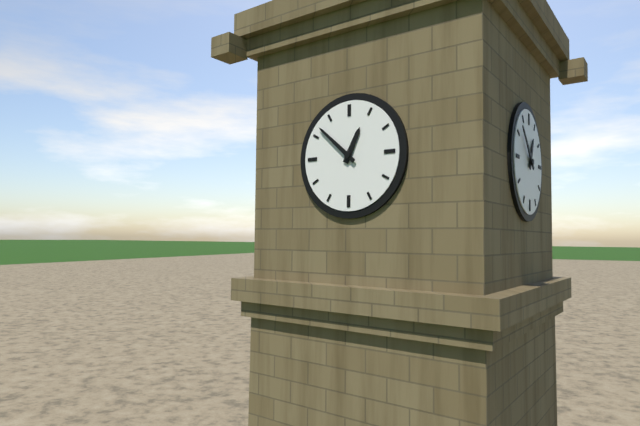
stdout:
h=12 m=52
